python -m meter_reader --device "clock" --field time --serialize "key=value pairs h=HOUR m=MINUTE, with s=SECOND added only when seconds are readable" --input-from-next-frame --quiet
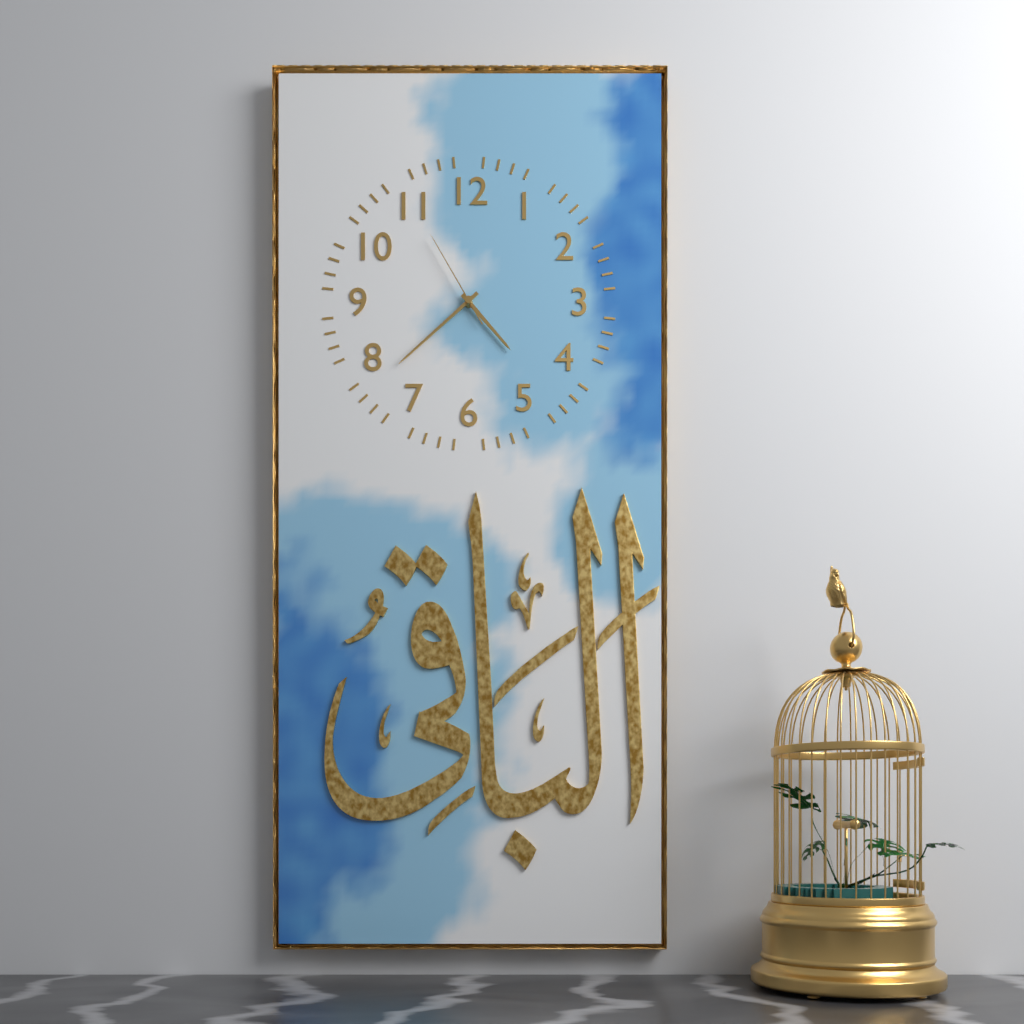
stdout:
h=4 m=38 s=55
